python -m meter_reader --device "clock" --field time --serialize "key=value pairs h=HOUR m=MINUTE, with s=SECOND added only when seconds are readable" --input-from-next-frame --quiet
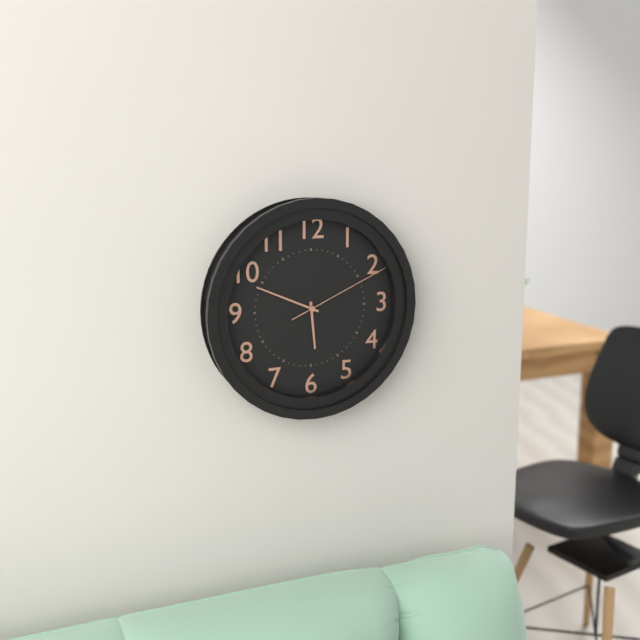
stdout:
h=5 m=49 s=11
